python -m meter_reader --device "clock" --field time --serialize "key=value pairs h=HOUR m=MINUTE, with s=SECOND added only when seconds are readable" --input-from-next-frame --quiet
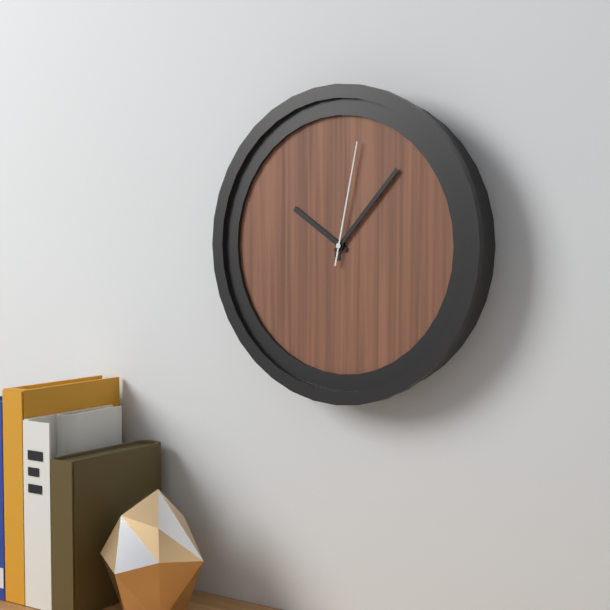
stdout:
h=10 m=7 s=2
